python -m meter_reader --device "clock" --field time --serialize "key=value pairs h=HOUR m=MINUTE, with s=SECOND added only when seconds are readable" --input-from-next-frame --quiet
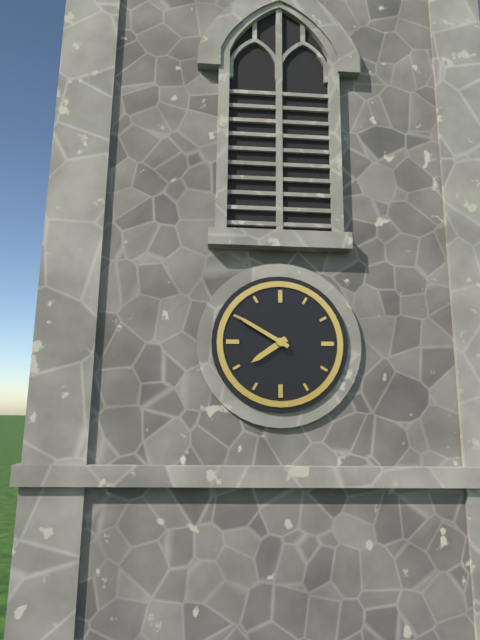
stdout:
h=7 m=50
